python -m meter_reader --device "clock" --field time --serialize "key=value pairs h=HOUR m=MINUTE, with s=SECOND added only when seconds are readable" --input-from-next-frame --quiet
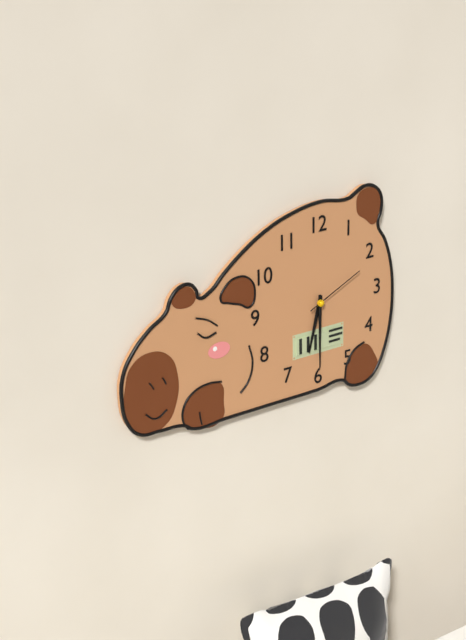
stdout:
h=6 m=30 s=11
